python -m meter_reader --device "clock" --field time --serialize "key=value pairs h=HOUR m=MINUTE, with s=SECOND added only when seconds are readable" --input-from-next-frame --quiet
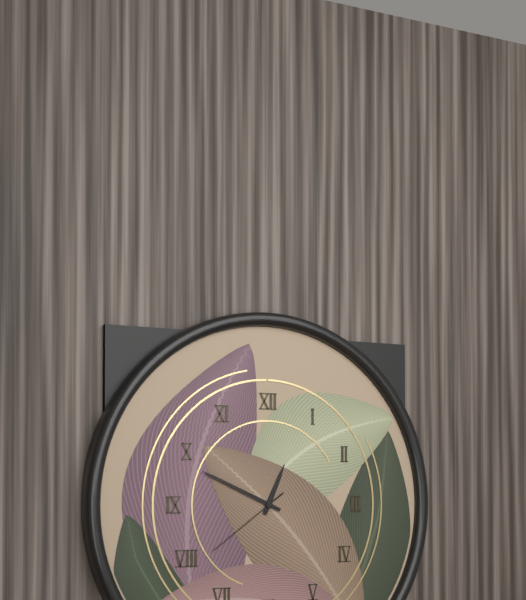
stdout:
h=12 m=49 s=39
